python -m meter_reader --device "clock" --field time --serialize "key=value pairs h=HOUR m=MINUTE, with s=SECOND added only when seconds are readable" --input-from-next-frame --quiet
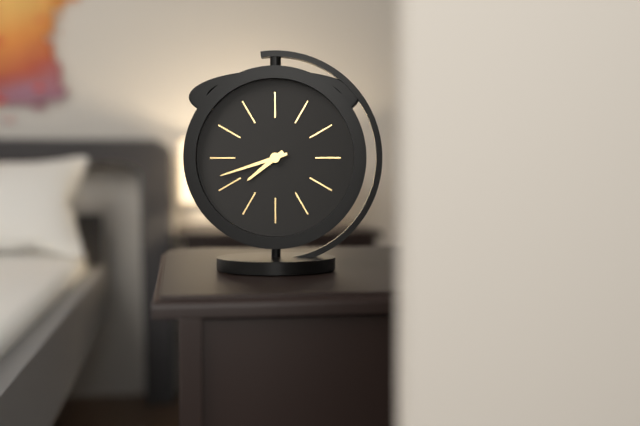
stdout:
h=7 m=42
